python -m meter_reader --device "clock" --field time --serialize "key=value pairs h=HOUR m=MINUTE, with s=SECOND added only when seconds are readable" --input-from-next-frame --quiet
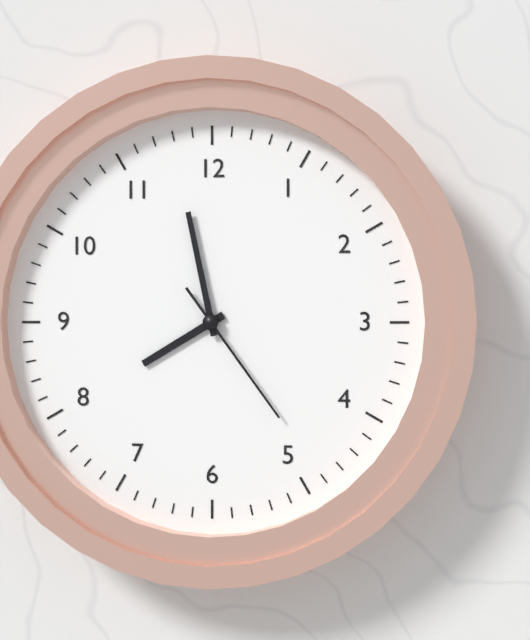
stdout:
h=7 m=58 s=24
